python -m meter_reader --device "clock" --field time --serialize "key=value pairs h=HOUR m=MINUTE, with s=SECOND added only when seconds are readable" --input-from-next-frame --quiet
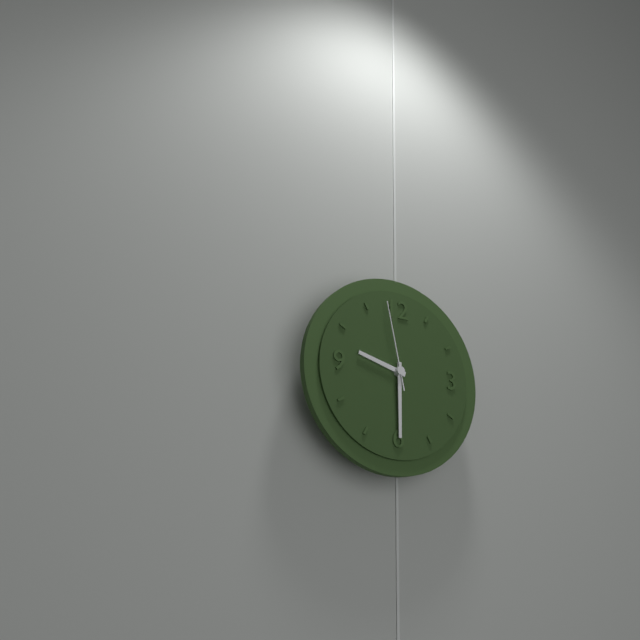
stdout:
h=9 m=30 s=58
